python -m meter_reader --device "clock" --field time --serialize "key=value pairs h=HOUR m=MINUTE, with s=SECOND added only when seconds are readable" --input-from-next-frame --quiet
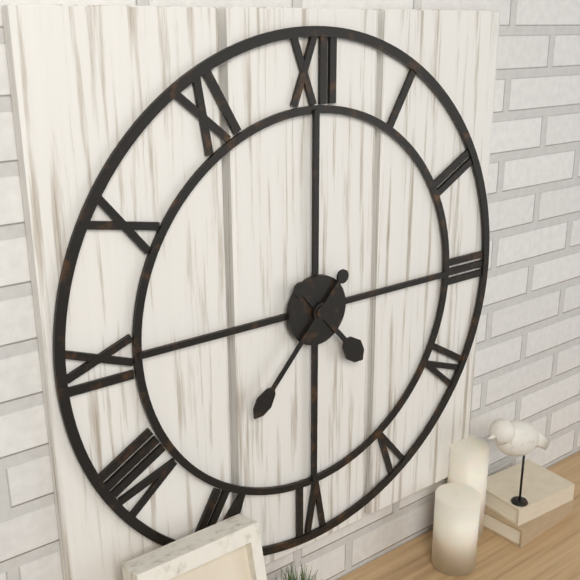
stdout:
h=4 m=37
